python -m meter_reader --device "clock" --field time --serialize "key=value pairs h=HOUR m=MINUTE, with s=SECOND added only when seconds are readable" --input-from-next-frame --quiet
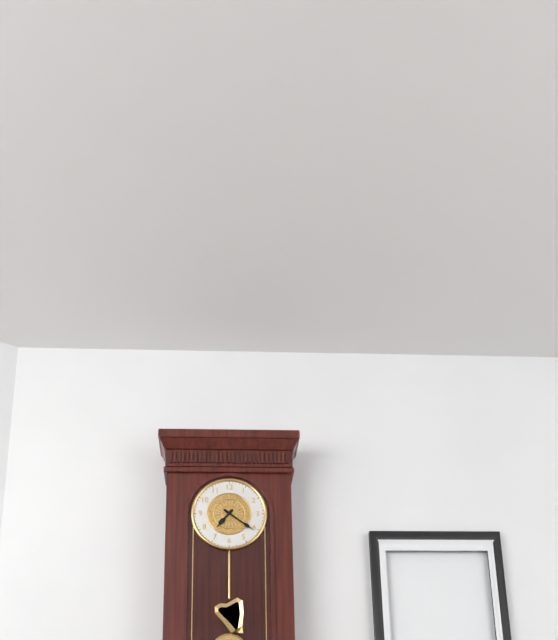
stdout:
h=7 m=21
